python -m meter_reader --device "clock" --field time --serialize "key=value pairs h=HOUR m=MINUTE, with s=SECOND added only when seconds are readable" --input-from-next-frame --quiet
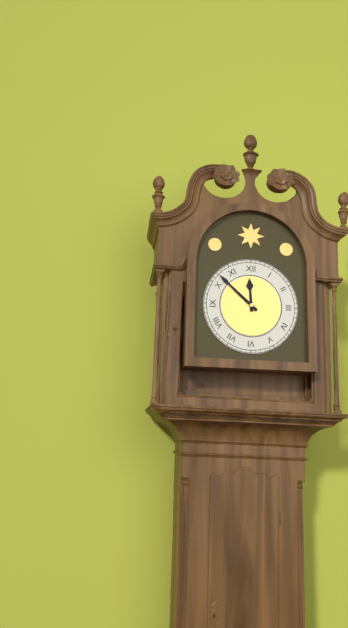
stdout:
h=11 m=52
